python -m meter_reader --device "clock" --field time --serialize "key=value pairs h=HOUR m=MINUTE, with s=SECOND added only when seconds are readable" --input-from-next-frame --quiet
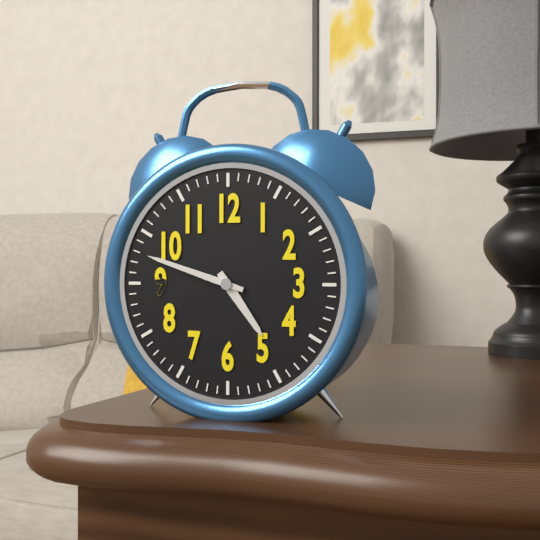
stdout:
h=4 m=48
